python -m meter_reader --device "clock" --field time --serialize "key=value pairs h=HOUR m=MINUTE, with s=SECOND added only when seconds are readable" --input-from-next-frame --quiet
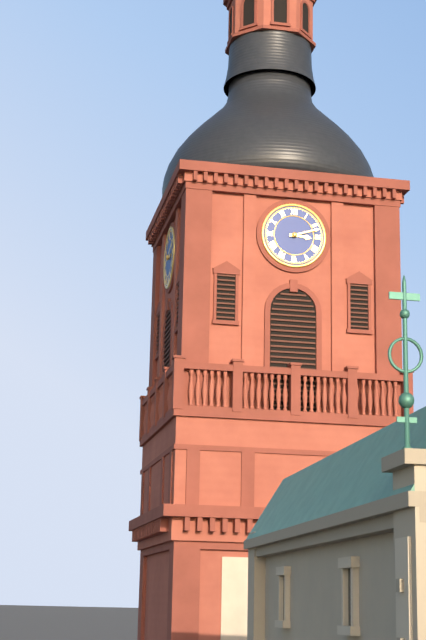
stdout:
h=3 m=12
